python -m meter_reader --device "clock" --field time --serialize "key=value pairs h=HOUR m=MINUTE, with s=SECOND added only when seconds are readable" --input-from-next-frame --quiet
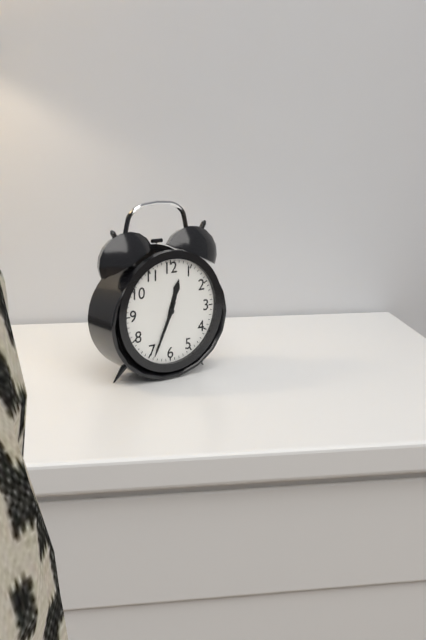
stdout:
h=12 m=34
